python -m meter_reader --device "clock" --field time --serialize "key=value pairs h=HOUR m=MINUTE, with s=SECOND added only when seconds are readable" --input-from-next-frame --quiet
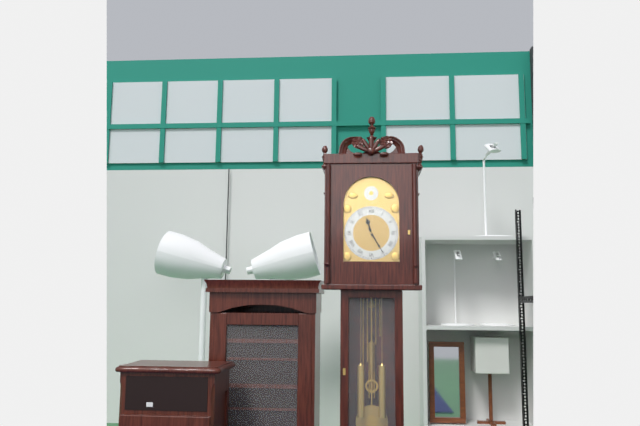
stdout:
h=11 m=25
